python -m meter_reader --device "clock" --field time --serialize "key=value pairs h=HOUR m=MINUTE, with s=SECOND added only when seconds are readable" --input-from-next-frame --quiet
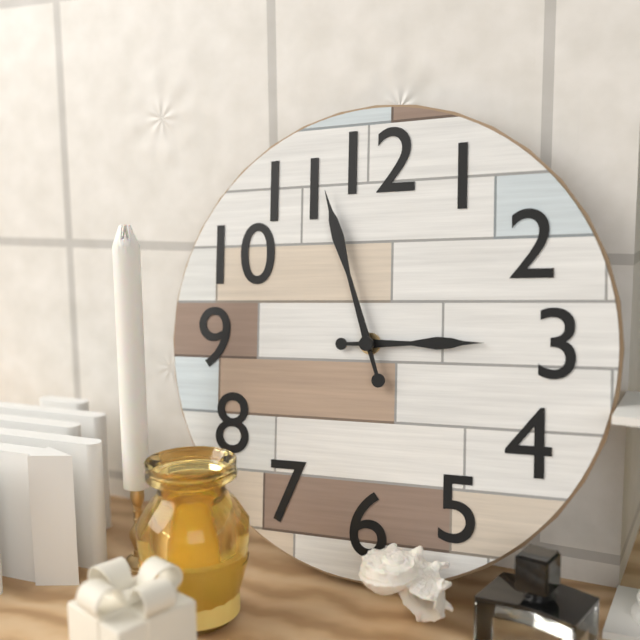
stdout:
h=2 m=57
